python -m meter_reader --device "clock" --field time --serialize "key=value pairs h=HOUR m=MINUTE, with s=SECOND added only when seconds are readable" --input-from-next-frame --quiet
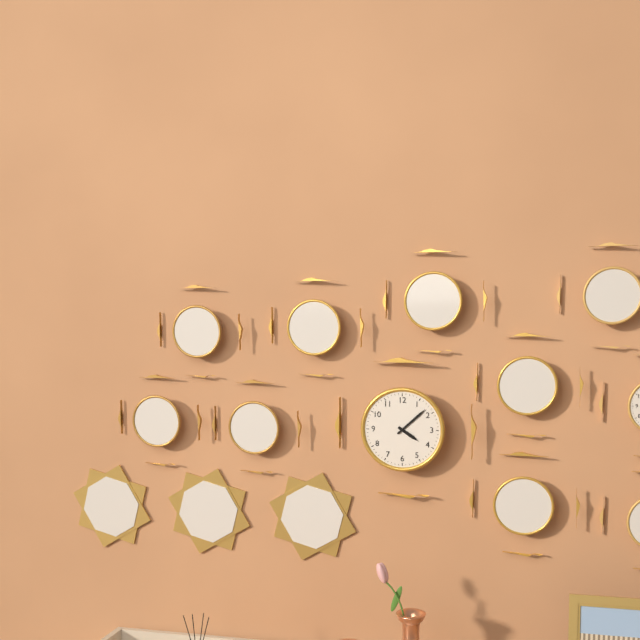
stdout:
h=4 m=8
